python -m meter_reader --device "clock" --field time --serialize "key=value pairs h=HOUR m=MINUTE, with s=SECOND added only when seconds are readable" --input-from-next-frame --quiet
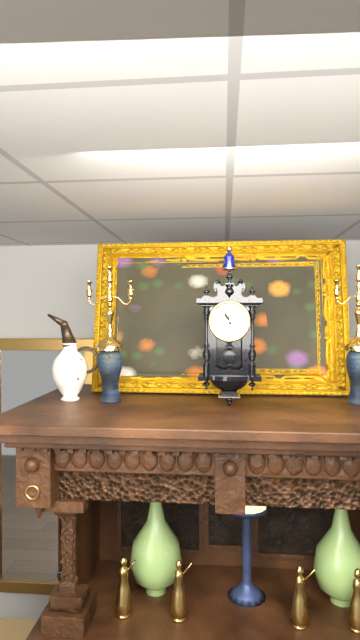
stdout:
h=10 m=59
